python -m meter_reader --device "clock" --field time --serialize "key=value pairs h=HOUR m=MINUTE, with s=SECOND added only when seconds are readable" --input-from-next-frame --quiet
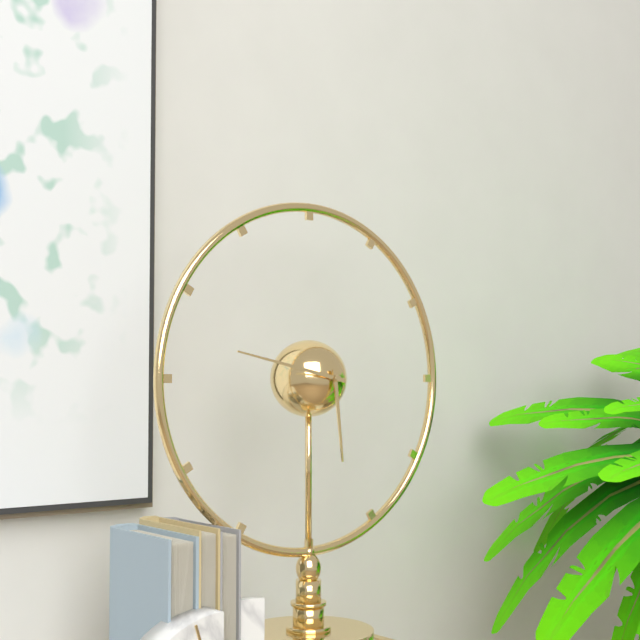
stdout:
h=5 m=47
